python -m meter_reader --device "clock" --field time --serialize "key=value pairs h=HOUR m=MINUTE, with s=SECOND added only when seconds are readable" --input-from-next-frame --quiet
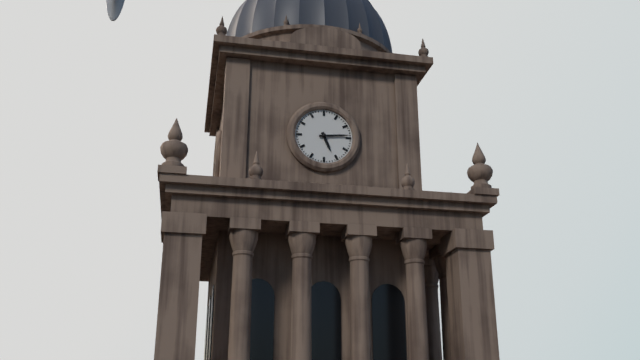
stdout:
h=5 m=14
